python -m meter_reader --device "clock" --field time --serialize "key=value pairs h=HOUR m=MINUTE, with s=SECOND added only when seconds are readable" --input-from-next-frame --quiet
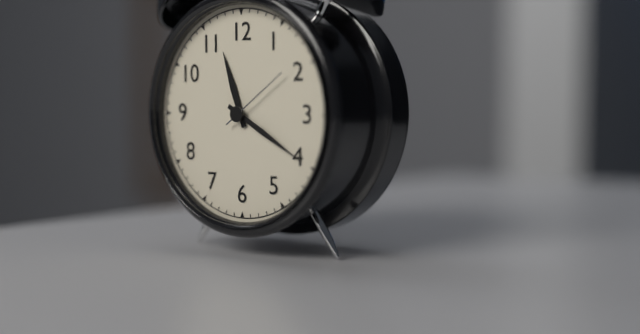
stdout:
h=11 m=20 s=9
